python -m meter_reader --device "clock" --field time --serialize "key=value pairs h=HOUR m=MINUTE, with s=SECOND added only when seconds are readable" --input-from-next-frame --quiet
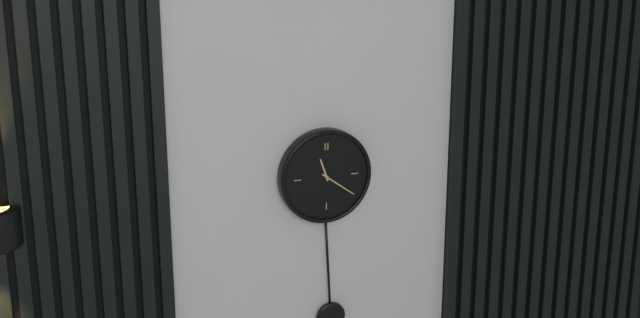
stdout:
h=11 m=21
